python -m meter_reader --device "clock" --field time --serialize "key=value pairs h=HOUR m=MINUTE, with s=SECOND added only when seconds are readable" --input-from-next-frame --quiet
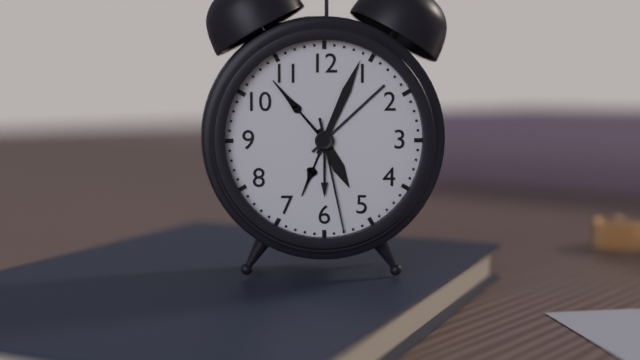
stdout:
h=5 m=4 s=28
